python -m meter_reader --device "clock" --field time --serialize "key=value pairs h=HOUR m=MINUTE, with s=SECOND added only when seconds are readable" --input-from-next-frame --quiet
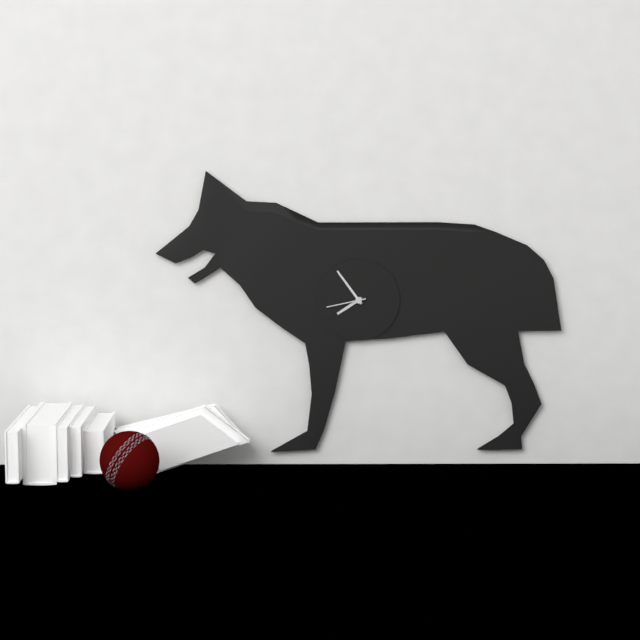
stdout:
h=7 m=54
